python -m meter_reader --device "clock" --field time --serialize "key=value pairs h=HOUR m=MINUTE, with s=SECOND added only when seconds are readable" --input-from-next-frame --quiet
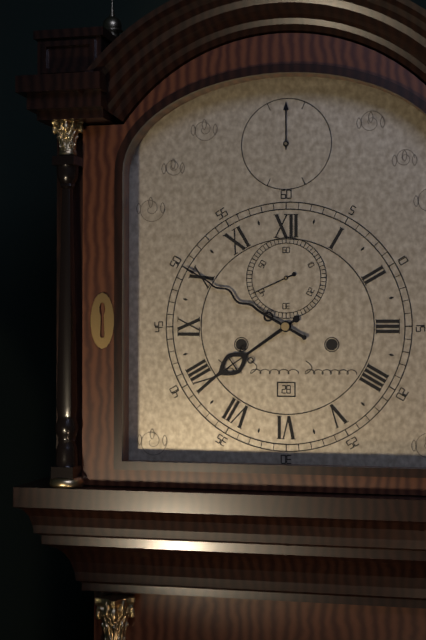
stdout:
h=7 m=50
